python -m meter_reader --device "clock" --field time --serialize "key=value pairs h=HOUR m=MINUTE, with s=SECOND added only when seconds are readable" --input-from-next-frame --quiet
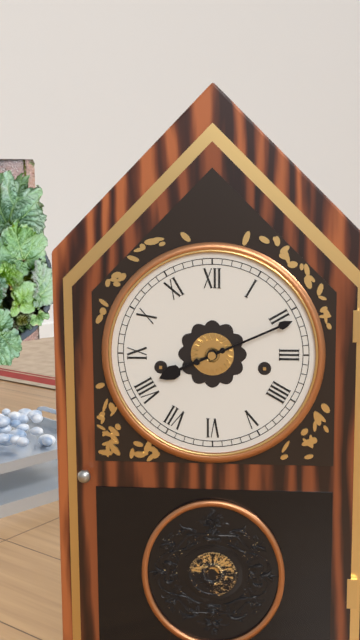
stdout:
h=8 m=11
